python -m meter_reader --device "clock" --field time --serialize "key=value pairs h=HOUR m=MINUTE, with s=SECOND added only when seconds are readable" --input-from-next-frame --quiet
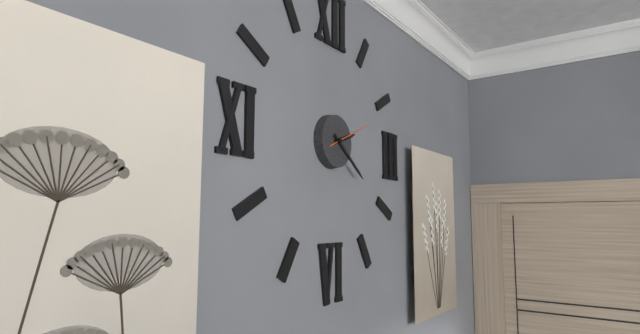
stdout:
h=2 m=21 s=11
